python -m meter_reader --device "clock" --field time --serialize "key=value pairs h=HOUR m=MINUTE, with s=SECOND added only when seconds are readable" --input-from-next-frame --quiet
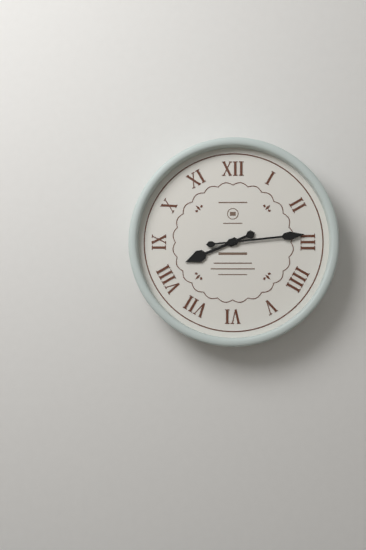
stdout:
h=8 m=14
